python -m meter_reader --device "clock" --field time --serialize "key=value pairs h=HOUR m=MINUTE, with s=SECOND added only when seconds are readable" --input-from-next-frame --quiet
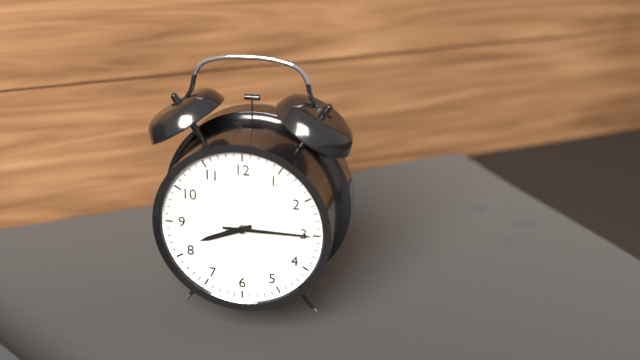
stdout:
h=8 m=15
